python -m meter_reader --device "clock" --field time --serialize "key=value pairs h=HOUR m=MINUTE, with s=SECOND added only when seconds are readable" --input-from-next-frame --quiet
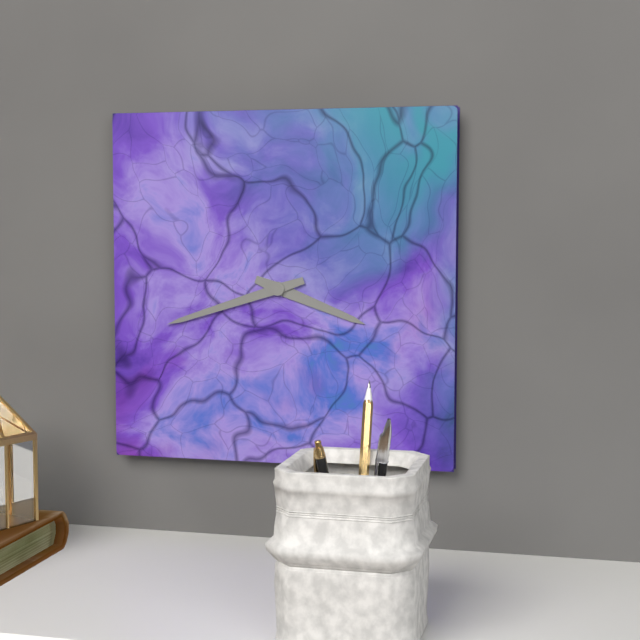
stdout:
h=3 m=42
